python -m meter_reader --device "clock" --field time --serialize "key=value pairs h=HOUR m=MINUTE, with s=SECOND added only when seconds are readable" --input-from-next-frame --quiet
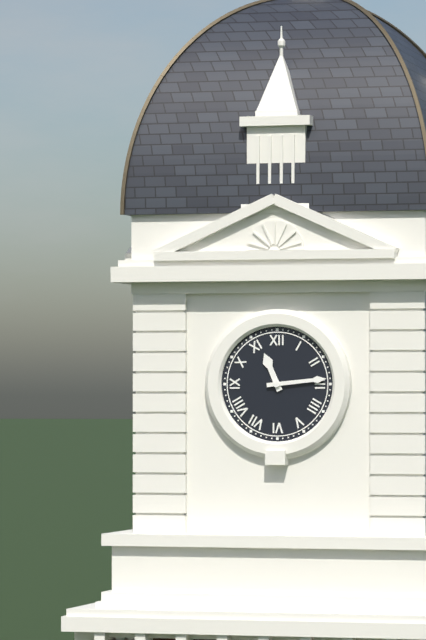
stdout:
h=11 m=14
